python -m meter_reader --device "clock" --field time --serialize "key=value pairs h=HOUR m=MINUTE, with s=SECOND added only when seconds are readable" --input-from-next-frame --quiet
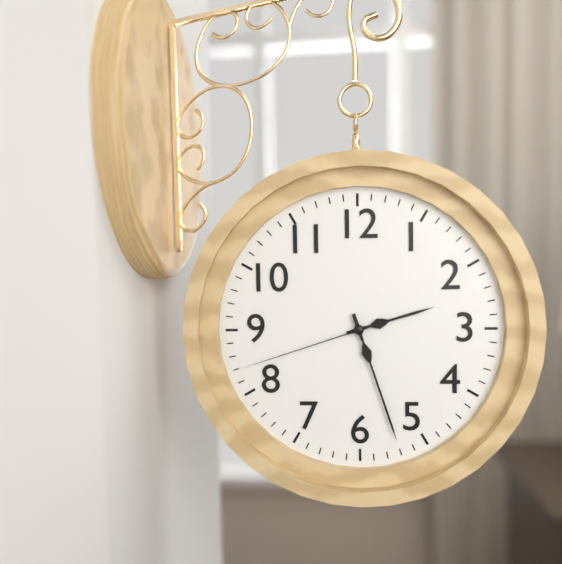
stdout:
h=2 m=27 s=42
